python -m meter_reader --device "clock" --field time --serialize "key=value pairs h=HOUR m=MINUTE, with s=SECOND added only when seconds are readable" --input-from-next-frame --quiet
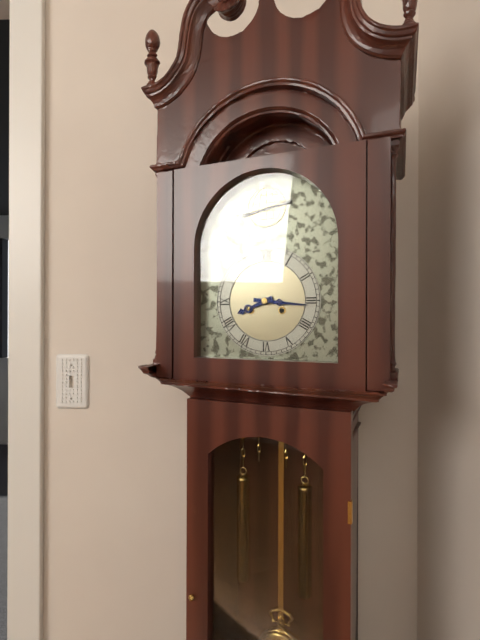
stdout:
h=8 m=16
